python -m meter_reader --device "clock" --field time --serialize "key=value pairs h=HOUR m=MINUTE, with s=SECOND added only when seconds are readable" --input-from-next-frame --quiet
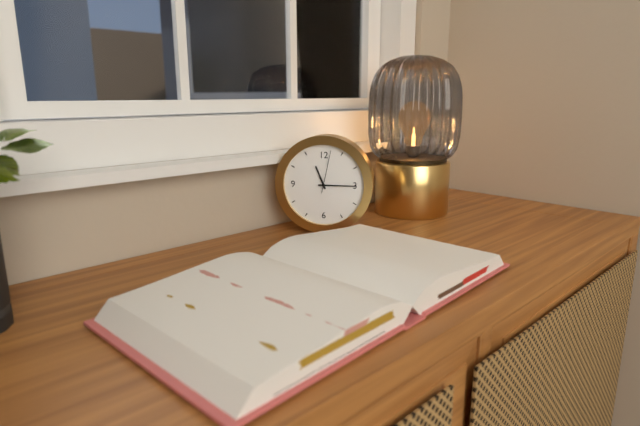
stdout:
h=11 m=15
